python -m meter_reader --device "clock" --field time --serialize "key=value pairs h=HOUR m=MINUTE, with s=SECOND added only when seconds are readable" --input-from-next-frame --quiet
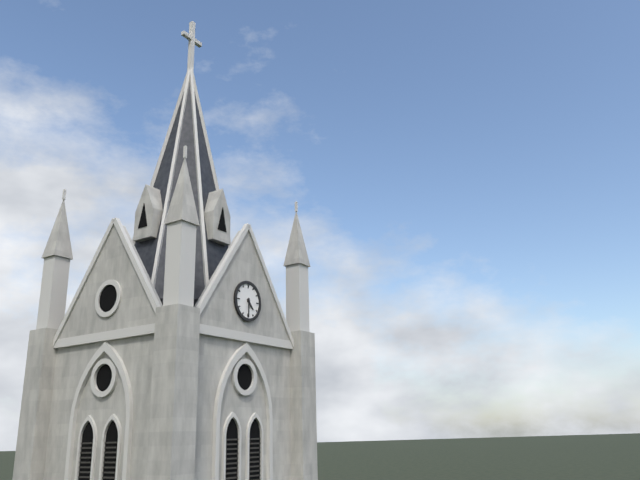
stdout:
h=4 m=30
